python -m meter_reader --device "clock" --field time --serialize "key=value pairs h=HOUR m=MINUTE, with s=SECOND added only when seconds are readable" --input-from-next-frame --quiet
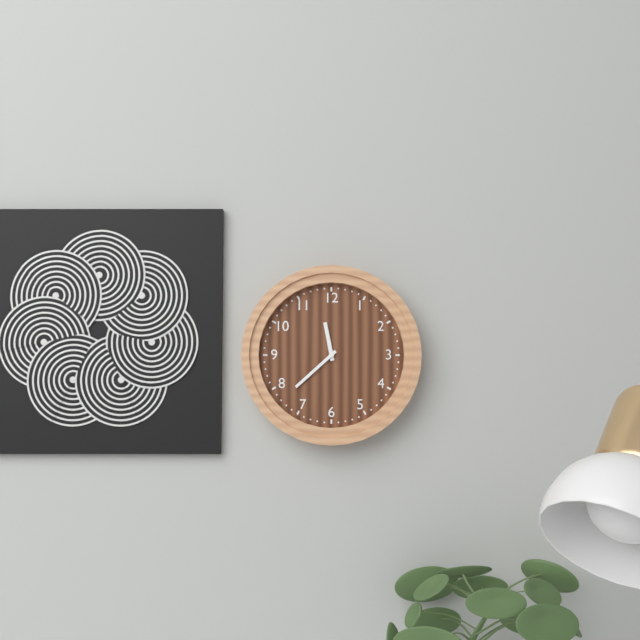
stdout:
h=11 m=38
